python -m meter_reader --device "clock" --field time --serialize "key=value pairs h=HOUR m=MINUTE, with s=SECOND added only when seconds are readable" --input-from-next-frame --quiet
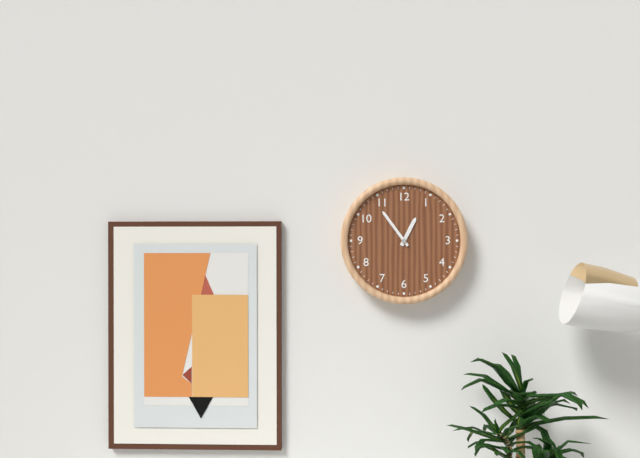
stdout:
h=12 m=54
